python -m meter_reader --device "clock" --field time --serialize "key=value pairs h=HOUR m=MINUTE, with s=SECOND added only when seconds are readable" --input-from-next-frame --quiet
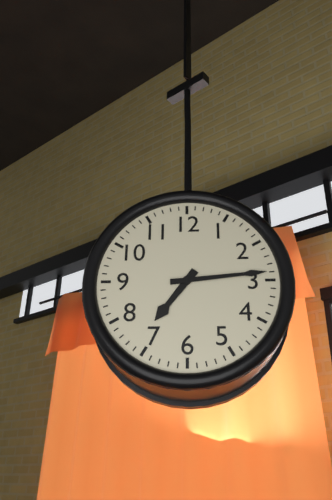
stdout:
h=7 m=14
